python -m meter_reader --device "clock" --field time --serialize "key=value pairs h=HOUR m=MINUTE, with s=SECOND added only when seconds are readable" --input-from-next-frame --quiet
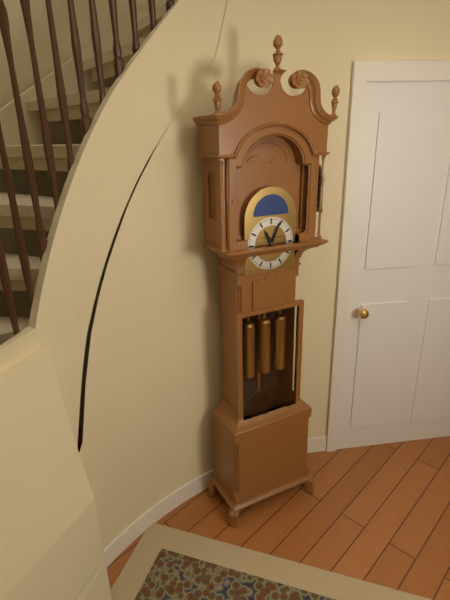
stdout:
h=11 m=4
